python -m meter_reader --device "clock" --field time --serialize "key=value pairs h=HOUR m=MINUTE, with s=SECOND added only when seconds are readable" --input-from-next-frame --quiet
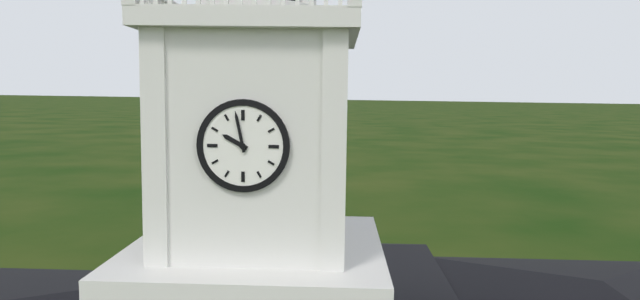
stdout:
h=9 m=58
